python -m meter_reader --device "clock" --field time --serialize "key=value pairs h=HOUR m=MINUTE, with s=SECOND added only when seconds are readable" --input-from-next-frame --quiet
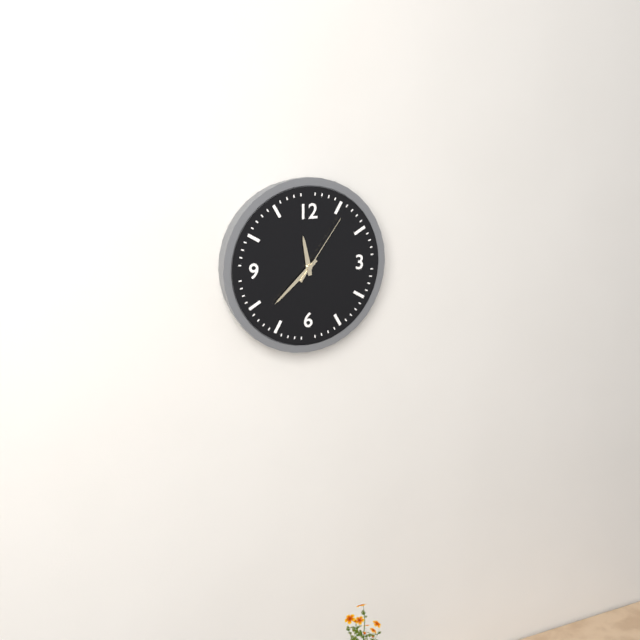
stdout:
h=11 m=38 s=6
